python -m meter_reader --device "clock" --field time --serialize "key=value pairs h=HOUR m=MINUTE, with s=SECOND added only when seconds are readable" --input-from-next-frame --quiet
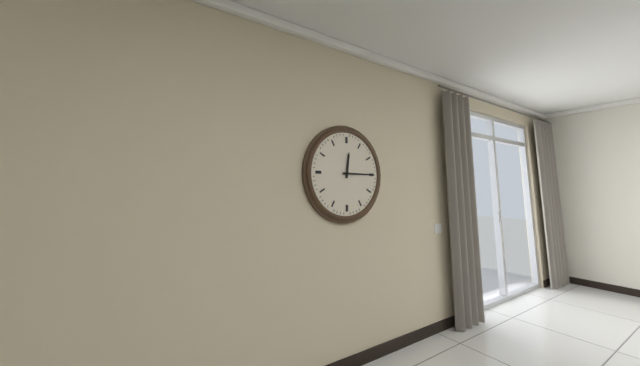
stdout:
h=12 m=15
